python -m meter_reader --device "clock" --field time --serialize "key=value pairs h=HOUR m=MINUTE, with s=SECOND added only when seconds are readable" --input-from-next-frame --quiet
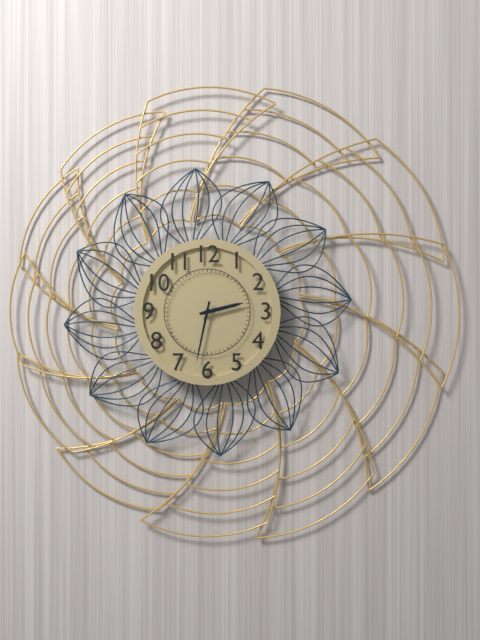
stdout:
h=2 m=32
